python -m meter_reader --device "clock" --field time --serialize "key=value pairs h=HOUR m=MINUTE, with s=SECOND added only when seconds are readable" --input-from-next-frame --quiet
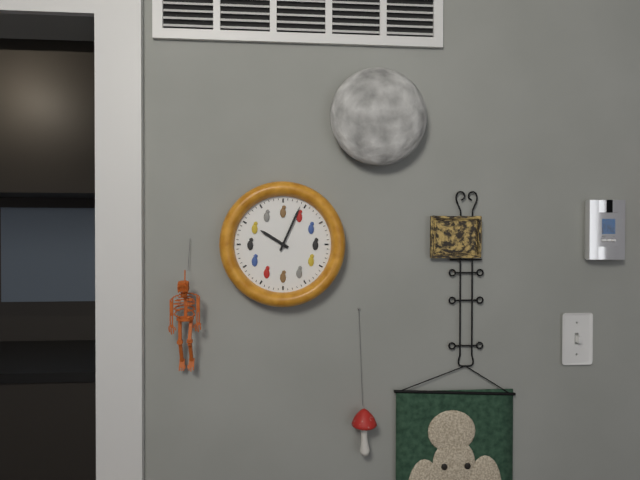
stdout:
h=10 m=4
